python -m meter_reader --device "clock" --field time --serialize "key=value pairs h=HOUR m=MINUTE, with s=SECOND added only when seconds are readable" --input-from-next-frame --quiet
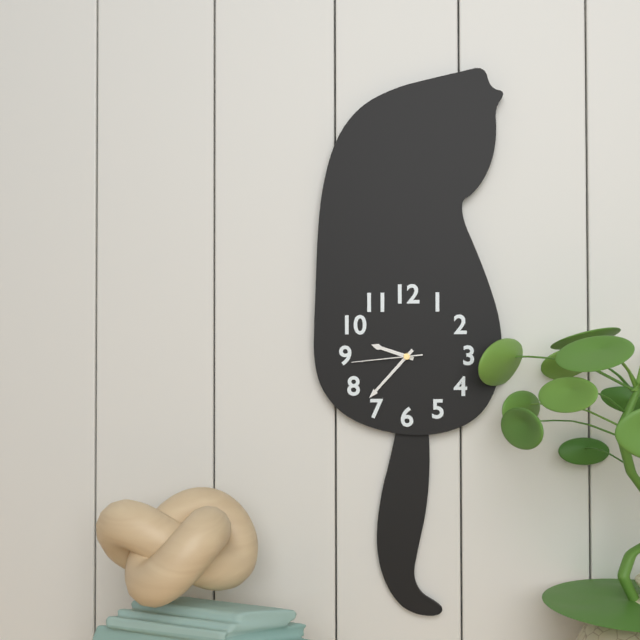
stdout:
h=9 m=37 s=44
